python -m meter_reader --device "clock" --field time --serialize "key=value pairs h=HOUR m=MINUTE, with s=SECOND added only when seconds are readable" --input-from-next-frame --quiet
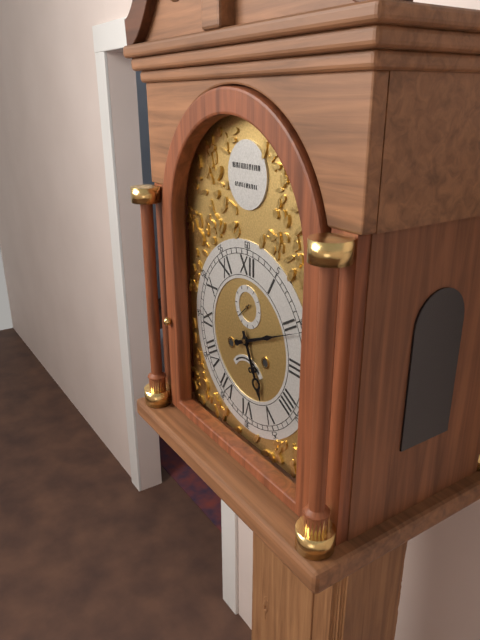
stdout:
h=5 m=11
